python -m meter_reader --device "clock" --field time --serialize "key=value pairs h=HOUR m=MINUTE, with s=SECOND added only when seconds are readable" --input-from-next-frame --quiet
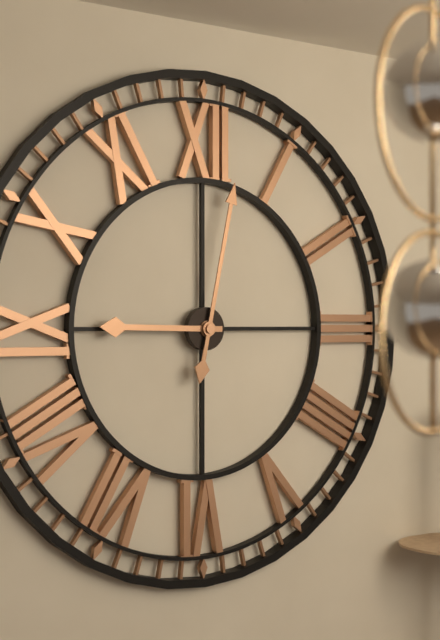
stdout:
h=9 m=2
